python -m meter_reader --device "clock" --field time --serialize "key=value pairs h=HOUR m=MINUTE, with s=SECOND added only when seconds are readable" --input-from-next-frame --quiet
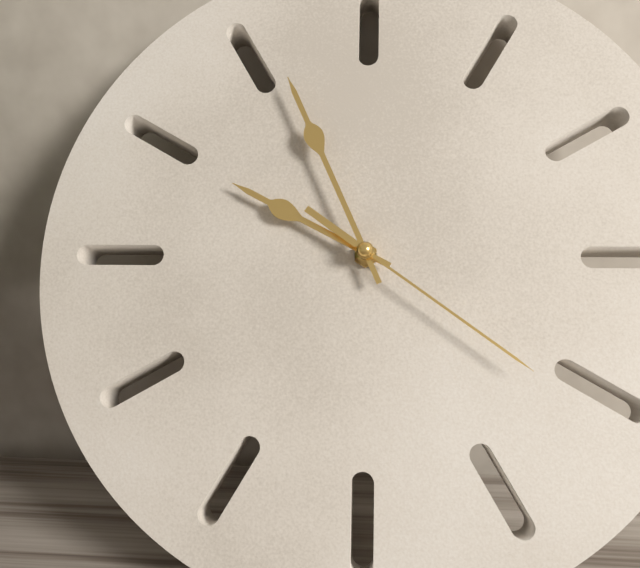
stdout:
h=9 m=56 s=21
